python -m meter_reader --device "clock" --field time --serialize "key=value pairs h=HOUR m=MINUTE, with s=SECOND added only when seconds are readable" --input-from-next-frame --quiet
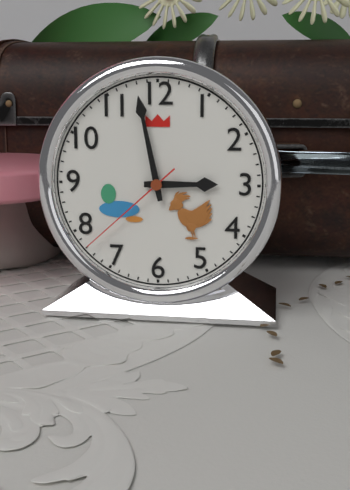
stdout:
h=2 m=58 s=38
